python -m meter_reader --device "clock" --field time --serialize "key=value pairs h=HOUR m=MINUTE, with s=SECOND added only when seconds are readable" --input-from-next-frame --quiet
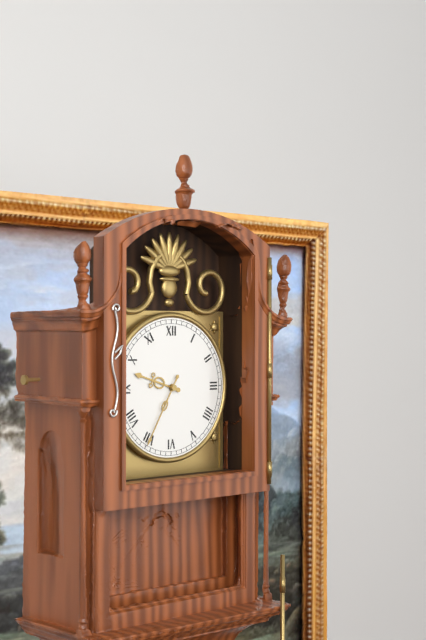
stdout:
h=9 m=35
